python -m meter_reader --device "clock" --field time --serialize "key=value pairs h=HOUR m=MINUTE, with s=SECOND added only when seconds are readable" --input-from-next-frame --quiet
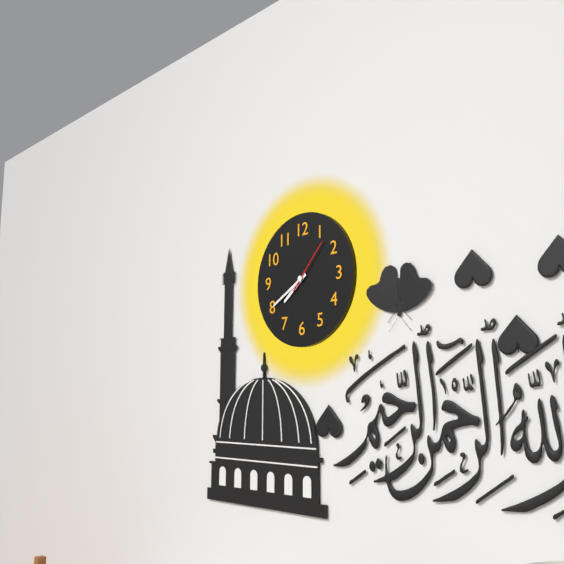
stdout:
h=7 m=40 s=7
